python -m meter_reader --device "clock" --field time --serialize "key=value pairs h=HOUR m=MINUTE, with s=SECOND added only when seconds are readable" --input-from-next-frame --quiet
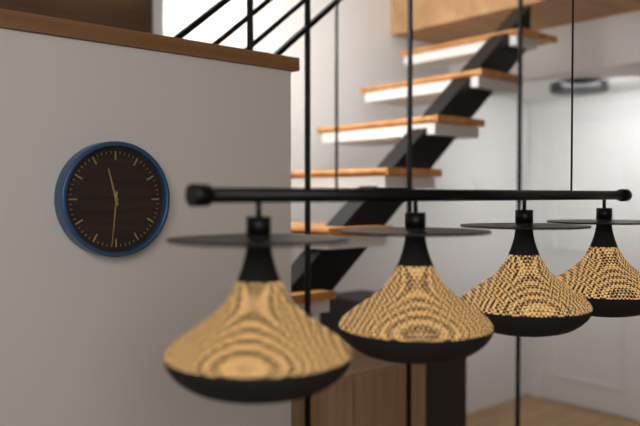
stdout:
h=11 m=31
